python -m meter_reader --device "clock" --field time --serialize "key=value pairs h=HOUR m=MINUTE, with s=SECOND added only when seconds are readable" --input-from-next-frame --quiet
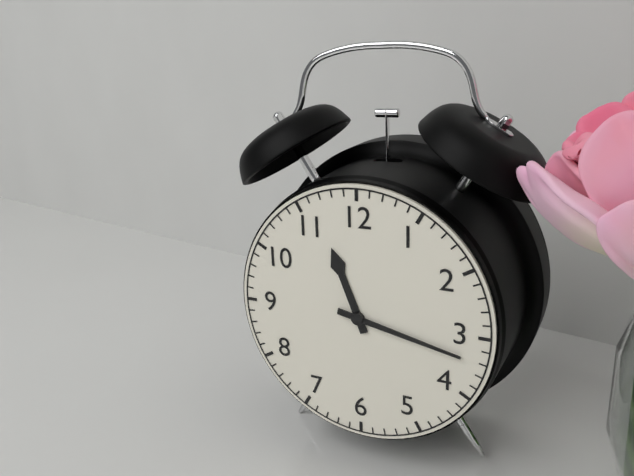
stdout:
h=11 m=17
